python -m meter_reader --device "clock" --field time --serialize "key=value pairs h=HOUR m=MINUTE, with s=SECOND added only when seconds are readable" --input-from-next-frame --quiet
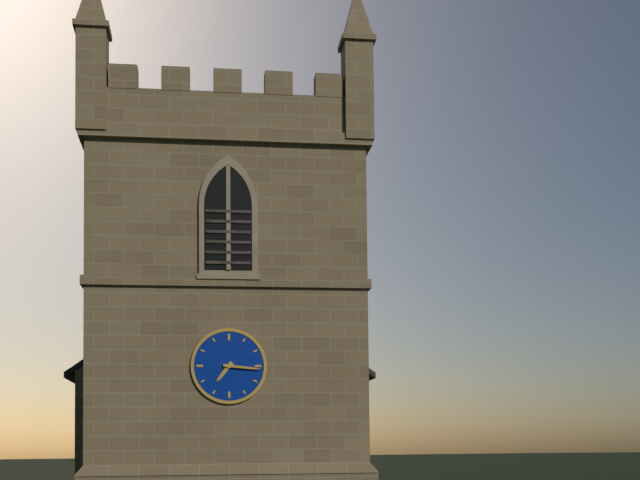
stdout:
h=7 m=16
